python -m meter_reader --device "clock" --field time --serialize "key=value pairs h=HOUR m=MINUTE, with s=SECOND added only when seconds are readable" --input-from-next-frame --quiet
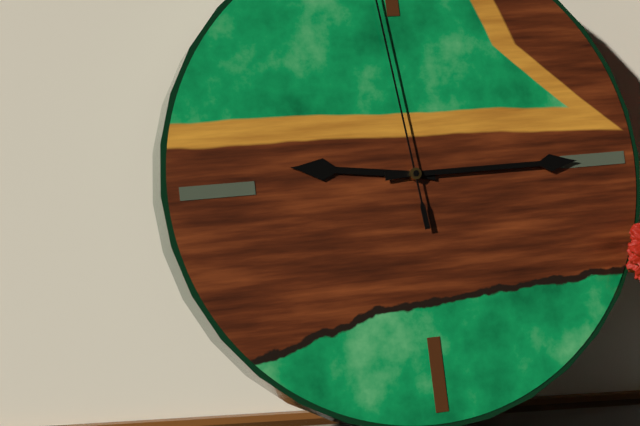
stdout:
h=9 m=15
